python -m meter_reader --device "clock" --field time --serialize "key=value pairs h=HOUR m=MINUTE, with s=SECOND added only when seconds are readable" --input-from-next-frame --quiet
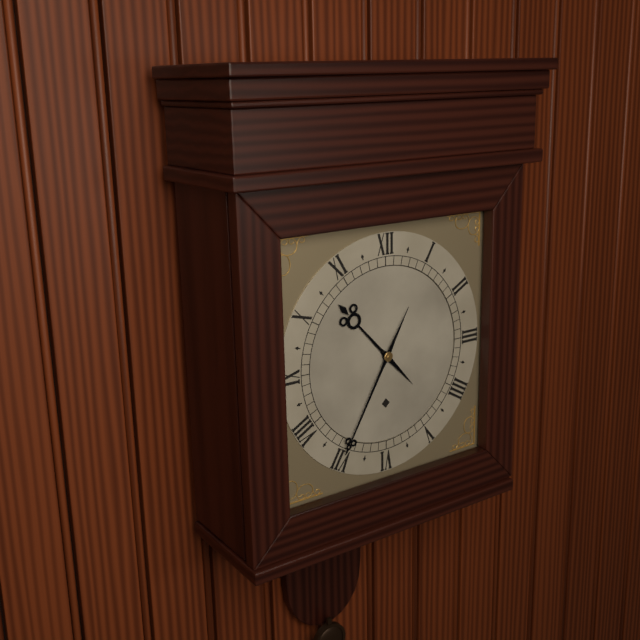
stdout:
h=10 m=35
